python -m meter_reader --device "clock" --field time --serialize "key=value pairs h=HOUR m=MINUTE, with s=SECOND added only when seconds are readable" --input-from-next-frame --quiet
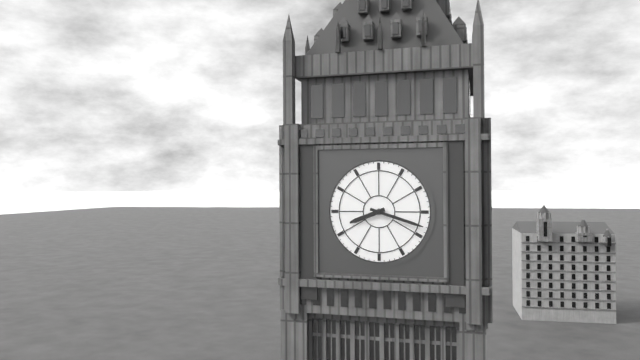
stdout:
h=8 m=18
